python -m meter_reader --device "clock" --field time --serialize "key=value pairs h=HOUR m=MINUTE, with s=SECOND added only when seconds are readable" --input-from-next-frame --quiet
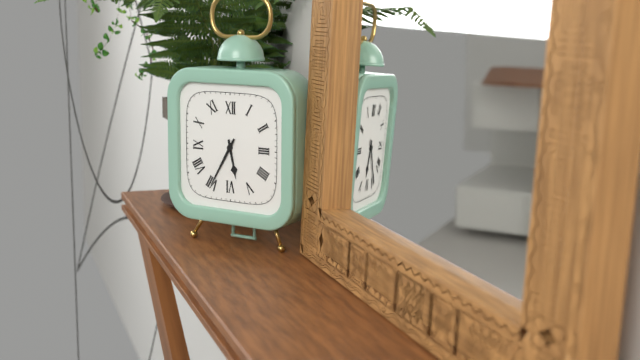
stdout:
h=5 m=35
